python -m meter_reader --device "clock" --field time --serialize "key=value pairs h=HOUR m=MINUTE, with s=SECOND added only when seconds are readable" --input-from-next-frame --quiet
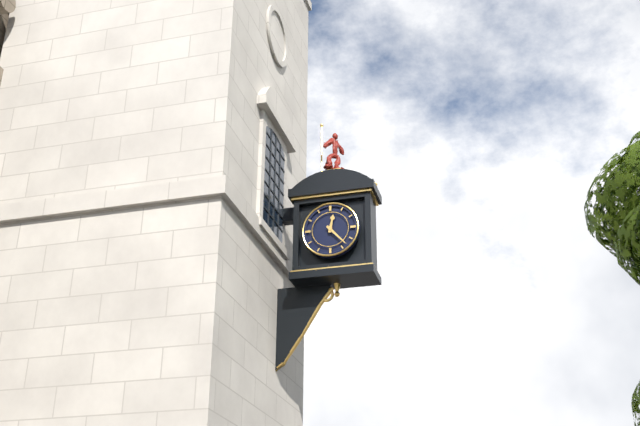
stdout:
h=12 m=23
